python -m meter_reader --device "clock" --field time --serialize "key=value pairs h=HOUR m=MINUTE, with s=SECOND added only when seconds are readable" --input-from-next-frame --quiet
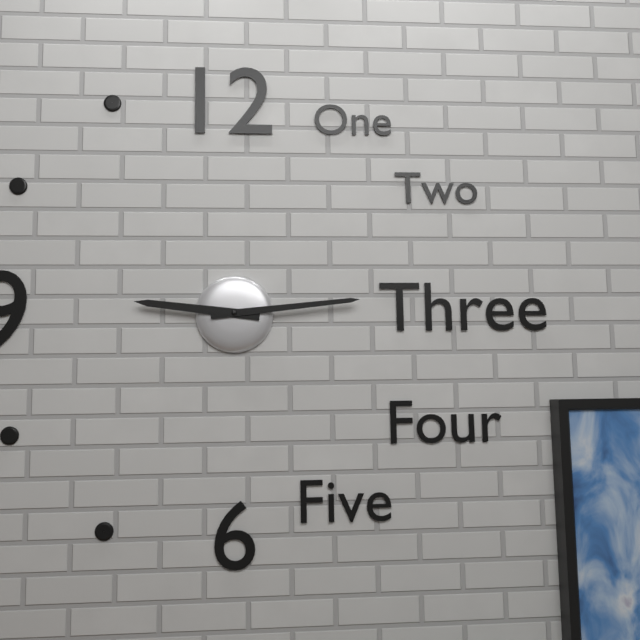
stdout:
h=9 m=14
